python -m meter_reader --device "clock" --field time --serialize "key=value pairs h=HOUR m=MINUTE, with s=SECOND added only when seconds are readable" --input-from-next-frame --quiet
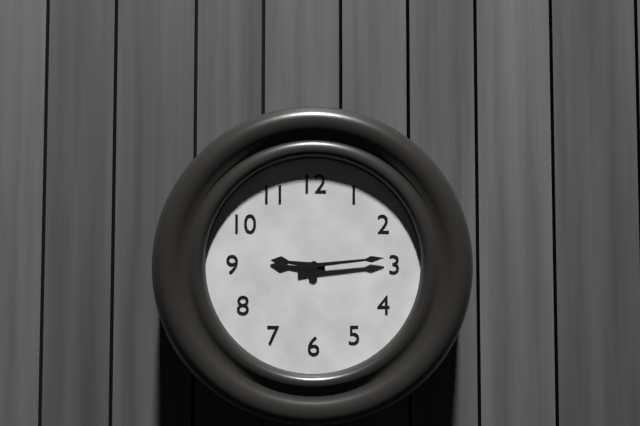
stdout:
h=9 m=14
